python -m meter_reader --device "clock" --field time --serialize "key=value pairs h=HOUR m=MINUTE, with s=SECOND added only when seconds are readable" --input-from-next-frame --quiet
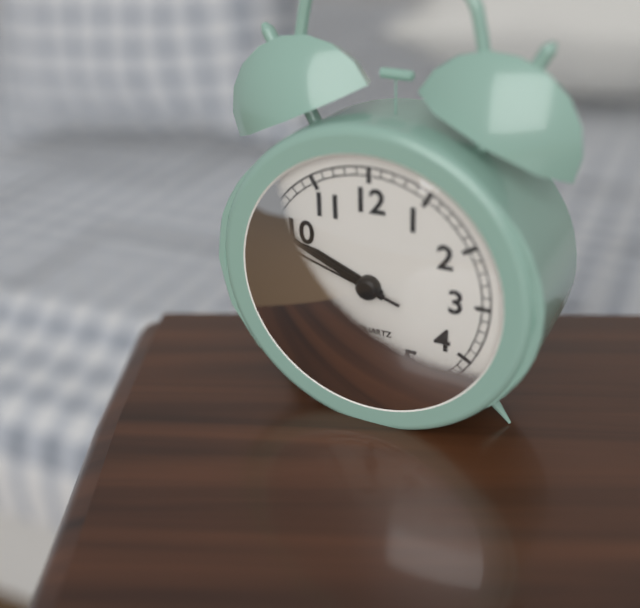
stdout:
h=9 m=49 s=48
